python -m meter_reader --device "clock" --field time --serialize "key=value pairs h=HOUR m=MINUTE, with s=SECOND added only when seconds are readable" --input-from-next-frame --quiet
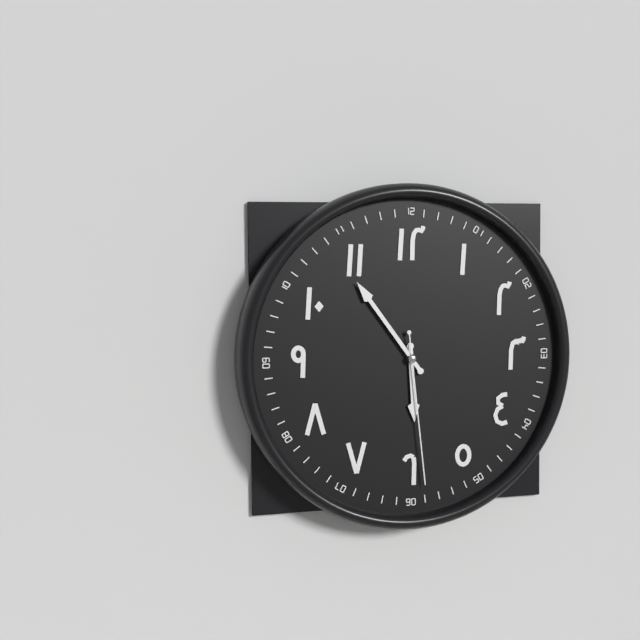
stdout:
h=5 m=54 s=29
